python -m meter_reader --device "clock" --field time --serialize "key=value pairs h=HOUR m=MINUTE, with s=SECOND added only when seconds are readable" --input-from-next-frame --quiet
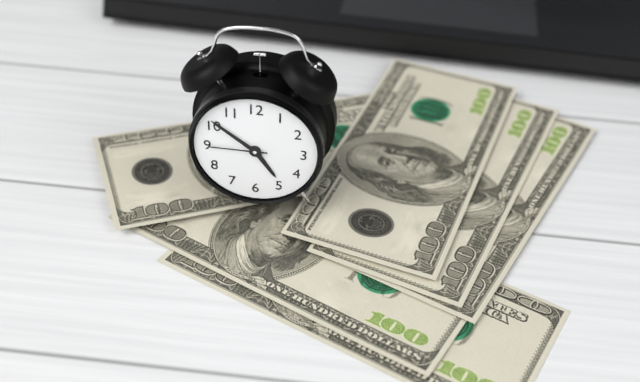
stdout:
h=4 m=51 s=45
